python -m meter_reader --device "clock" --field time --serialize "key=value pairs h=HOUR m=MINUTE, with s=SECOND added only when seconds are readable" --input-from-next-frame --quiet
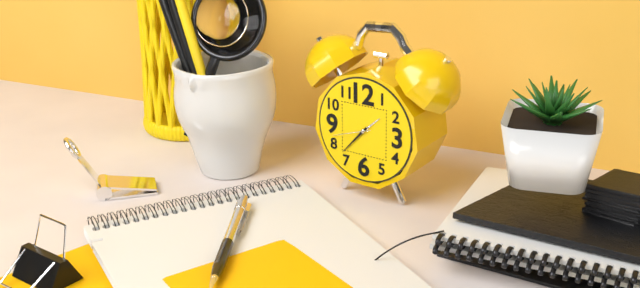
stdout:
h=1 m=37
